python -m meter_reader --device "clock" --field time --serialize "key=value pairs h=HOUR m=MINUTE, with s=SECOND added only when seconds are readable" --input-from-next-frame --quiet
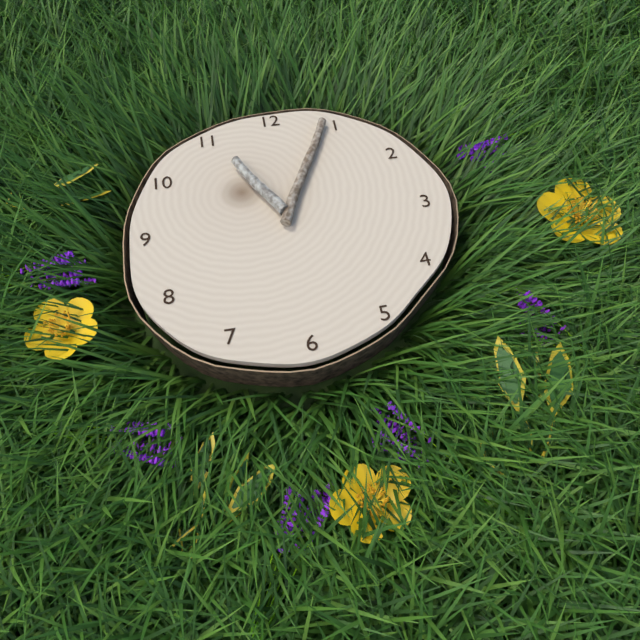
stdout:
h=11 m=4
